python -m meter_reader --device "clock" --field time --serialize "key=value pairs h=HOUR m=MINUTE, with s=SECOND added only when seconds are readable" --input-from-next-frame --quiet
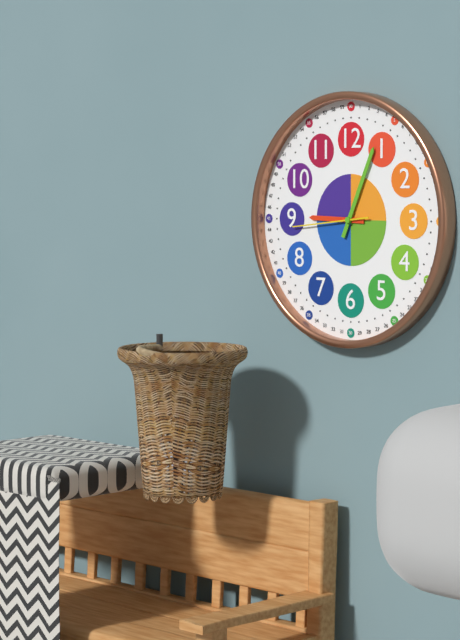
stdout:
h=9 m=4 s=44
